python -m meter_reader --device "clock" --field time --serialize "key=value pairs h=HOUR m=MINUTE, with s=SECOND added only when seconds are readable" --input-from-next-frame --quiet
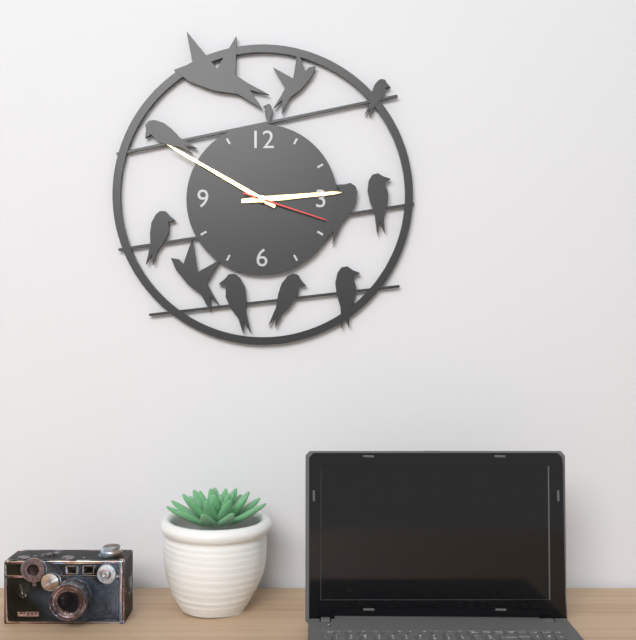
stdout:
h=2 m=50 s=18
